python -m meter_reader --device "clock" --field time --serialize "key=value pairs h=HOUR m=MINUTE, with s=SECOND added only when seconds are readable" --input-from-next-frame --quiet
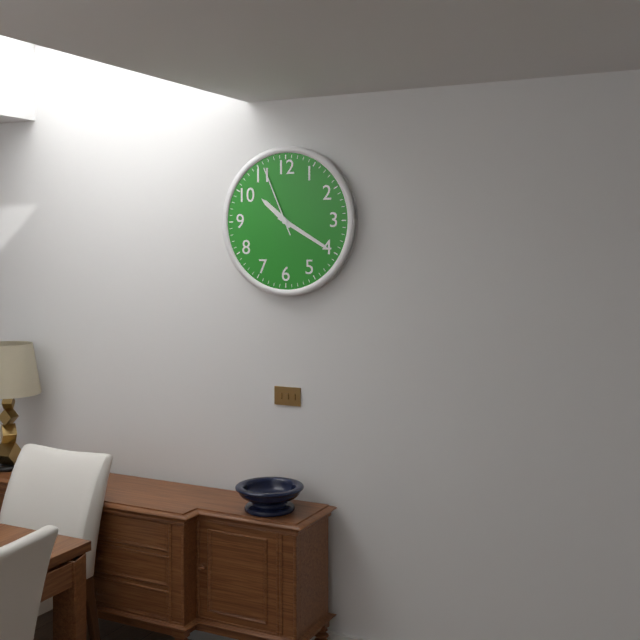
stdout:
h=10 m=20 s=56
